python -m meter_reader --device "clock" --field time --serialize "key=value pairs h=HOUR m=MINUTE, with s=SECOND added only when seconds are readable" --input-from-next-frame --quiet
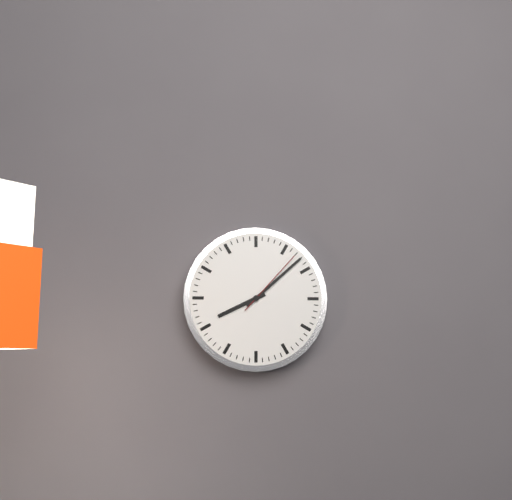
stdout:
h=8 m=8 s=7
